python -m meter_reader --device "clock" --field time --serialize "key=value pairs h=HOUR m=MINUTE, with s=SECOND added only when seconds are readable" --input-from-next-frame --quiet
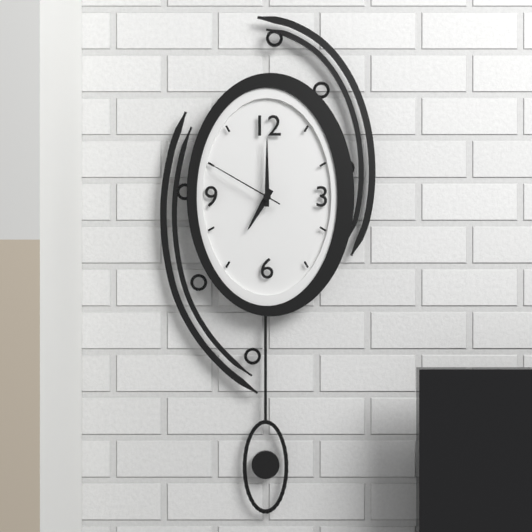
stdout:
h=7 m=0 s=50
